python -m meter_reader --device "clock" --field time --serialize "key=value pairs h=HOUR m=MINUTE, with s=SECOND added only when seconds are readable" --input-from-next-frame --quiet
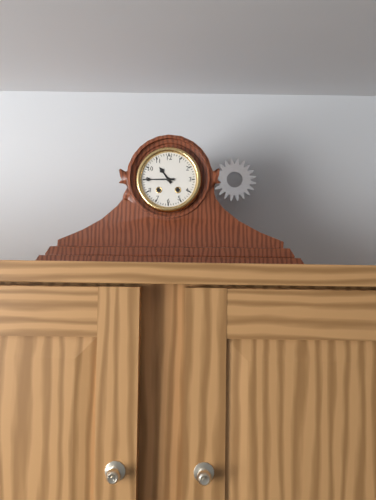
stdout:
h=10 m=45
